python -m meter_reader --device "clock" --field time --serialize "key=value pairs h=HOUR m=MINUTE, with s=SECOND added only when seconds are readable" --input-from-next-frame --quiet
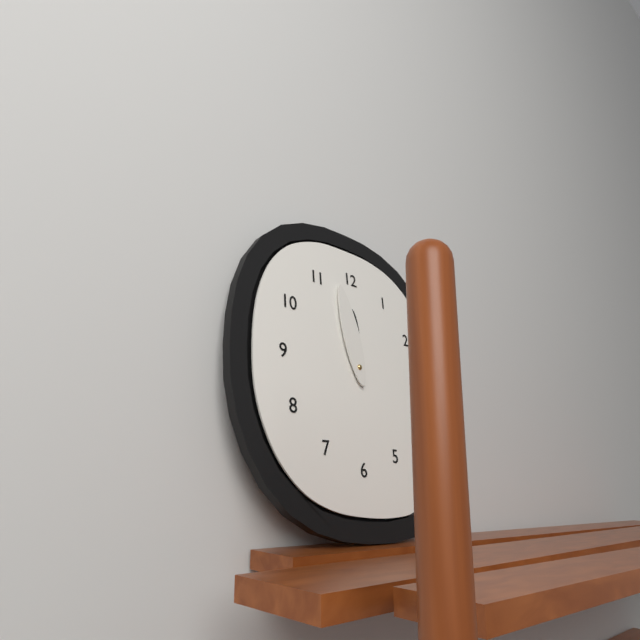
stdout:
h=11 m=58
